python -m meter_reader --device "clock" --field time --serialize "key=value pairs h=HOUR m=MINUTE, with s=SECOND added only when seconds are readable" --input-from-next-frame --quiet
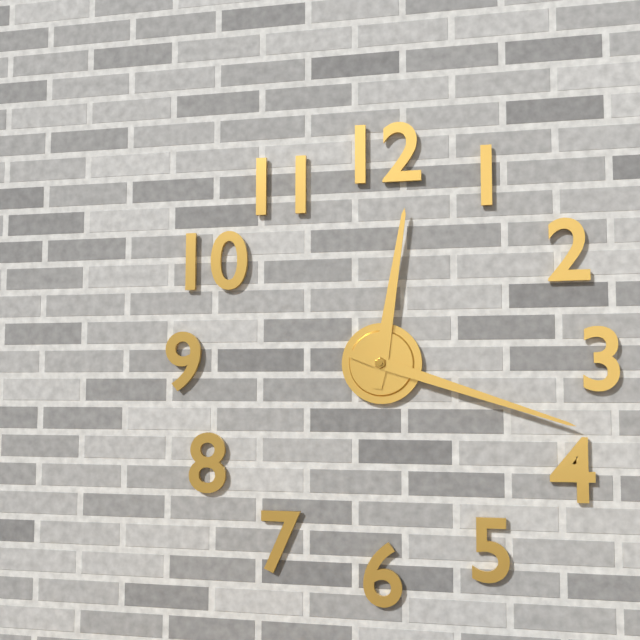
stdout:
h=12 m=18
